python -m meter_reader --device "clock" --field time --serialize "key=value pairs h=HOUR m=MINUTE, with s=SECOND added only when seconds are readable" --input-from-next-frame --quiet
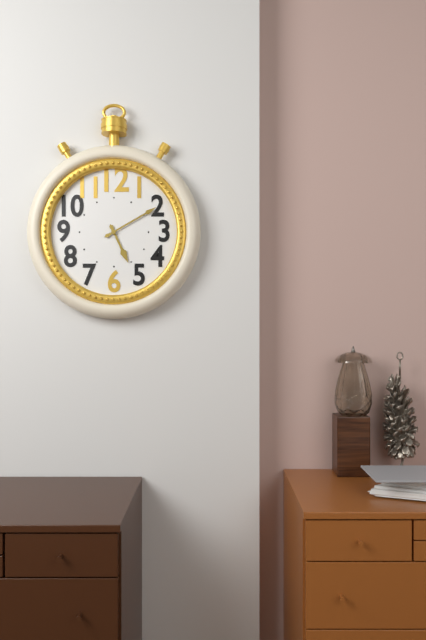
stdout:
h=5 m=10
